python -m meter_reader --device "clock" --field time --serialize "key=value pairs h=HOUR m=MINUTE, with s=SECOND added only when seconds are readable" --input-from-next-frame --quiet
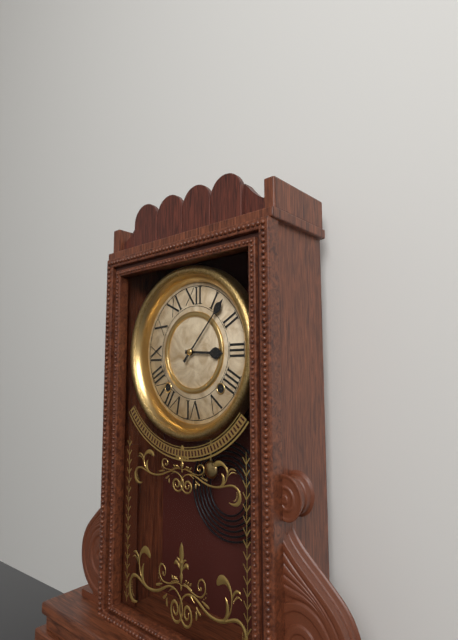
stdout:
h=3 m=7
